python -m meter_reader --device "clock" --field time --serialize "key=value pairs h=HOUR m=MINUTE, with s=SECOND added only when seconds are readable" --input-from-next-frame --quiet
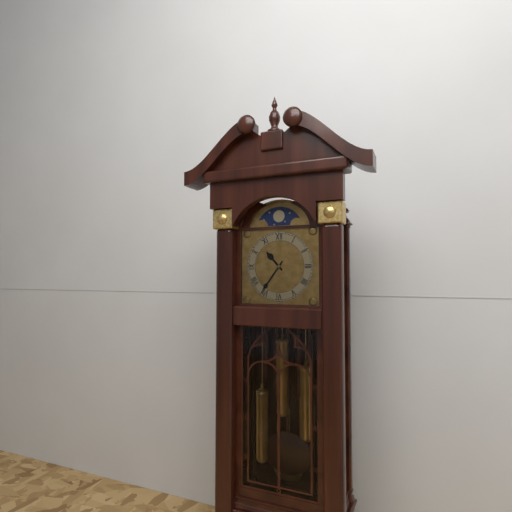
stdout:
h=10 m=36
